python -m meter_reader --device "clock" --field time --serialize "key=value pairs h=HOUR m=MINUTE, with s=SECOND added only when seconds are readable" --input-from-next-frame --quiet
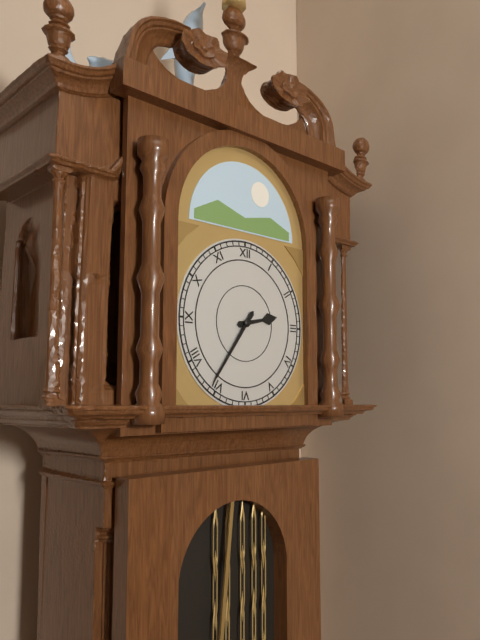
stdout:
h=2 m=36
